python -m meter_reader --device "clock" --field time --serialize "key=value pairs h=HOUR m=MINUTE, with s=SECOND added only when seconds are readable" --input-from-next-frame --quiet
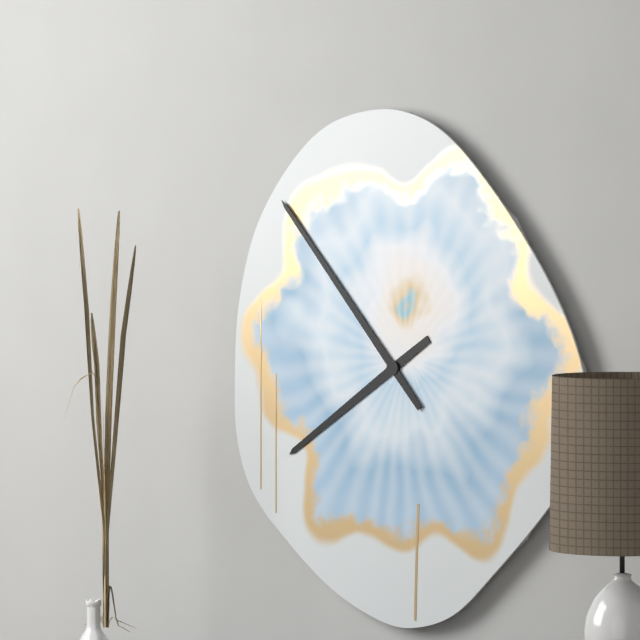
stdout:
h=7 m=53
